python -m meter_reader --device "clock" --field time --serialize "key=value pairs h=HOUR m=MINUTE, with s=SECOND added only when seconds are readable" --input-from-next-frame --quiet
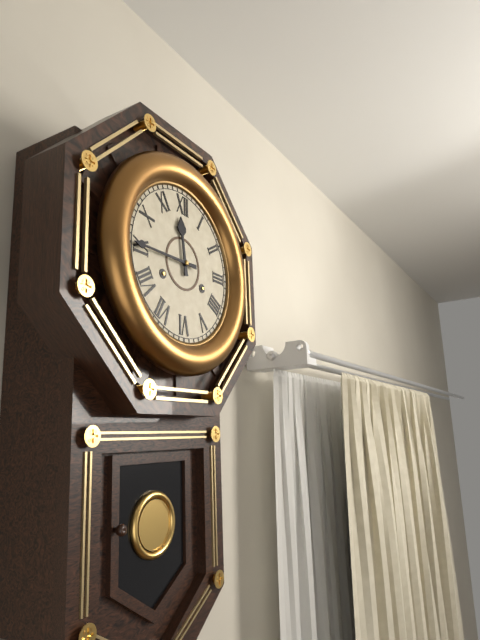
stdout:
h=11 m=45
